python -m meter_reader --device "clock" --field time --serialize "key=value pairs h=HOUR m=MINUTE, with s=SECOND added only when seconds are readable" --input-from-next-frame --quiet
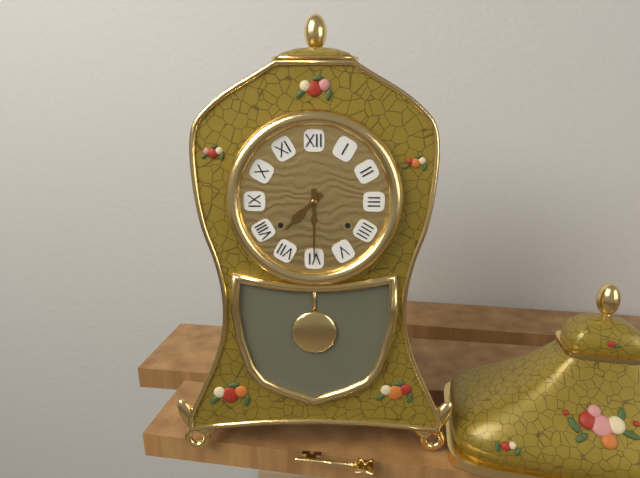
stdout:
h=7 m=30
